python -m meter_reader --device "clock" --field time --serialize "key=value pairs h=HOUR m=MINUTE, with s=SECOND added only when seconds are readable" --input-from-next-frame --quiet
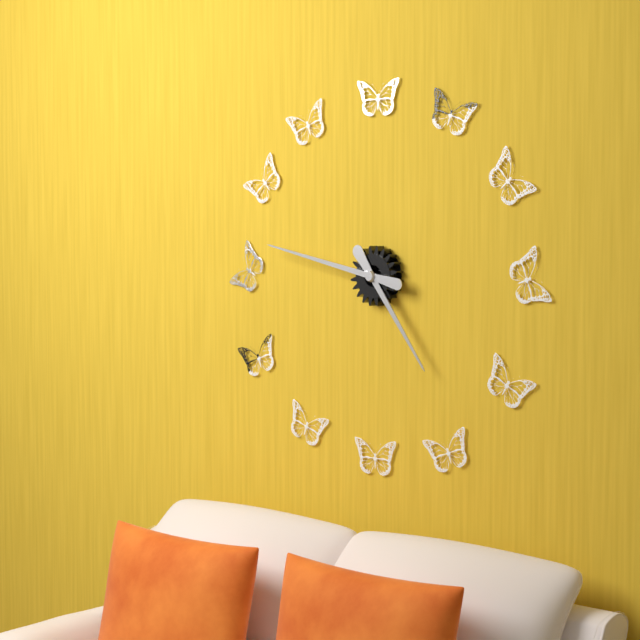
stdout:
h=4 m=47
